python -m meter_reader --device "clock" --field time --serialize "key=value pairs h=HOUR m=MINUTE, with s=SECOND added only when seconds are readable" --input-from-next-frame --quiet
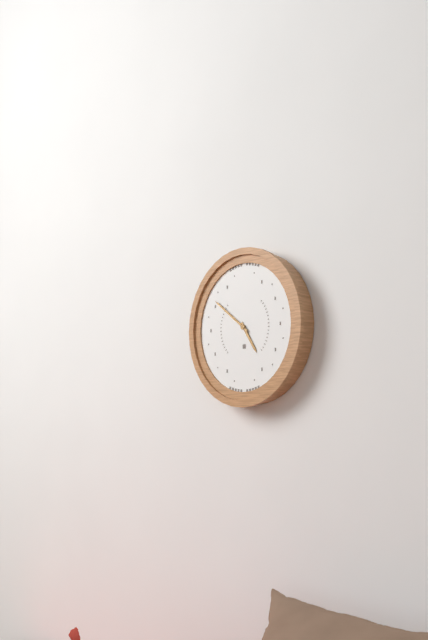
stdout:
h=4 m=51
